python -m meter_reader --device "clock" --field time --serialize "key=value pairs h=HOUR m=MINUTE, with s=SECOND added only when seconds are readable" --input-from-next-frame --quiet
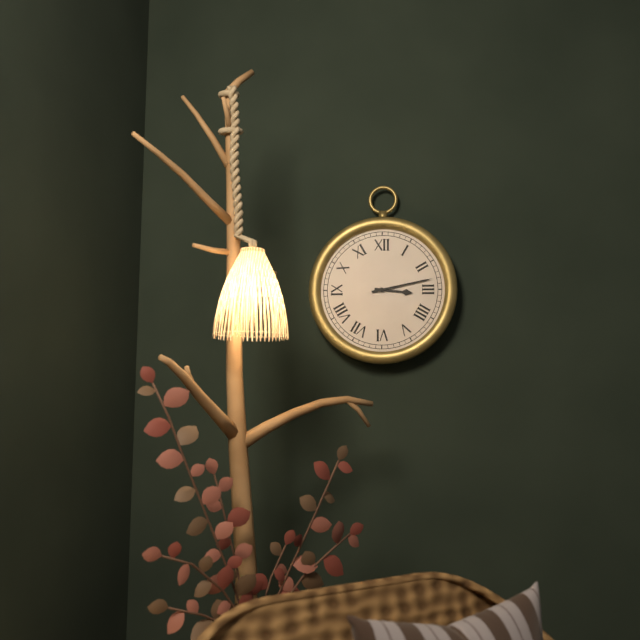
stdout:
h=3 m=13
